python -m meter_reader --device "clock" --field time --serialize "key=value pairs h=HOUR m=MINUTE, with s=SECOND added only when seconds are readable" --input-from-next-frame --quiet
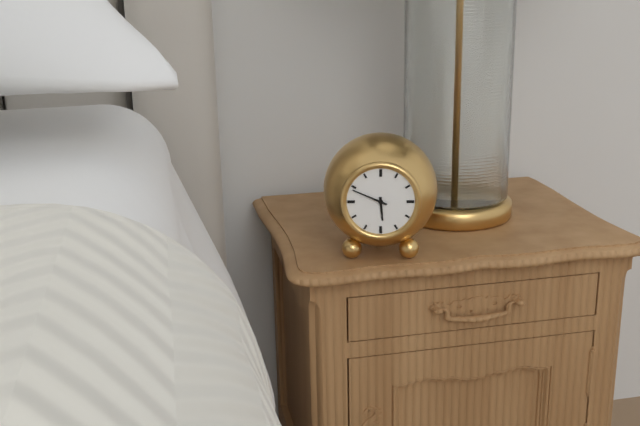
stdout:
h=5 m=49
